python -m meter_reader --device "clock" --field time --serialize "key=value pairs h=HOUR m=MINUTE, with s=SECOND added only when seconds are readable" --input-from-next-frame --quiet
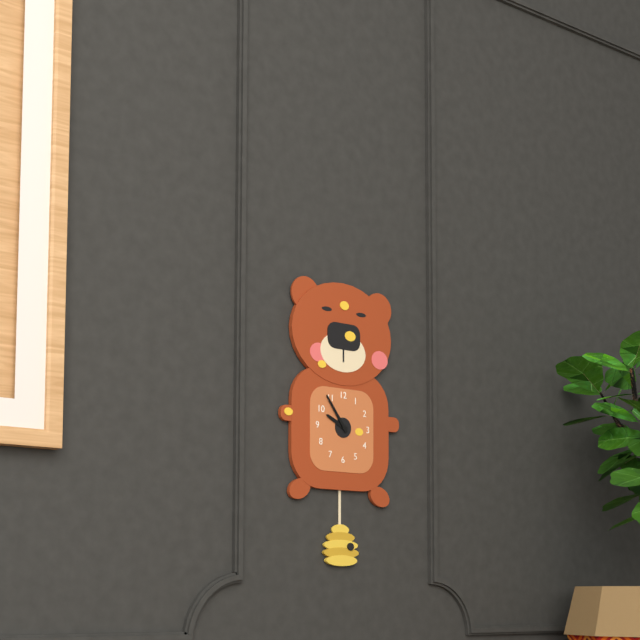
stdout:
h=9 m=54
